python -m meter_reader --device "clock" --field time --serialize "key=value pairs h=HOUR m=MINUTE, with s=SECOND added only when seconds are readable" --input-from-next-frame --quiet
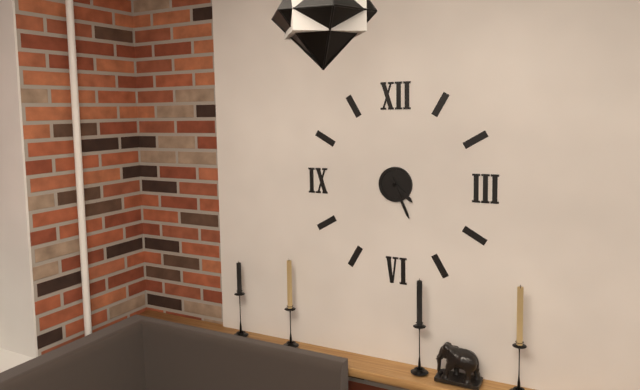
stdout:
h=4 m=26
